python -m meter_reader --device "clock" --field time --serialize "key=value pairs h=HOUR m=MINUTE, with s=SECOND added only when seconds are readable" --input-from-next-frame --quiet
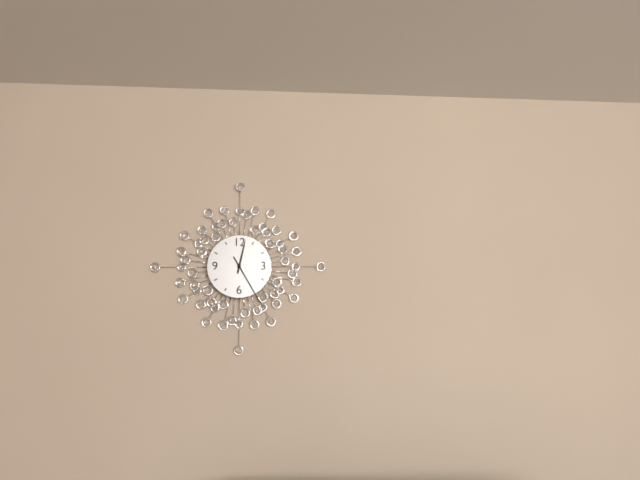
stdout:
h=12 m=25
